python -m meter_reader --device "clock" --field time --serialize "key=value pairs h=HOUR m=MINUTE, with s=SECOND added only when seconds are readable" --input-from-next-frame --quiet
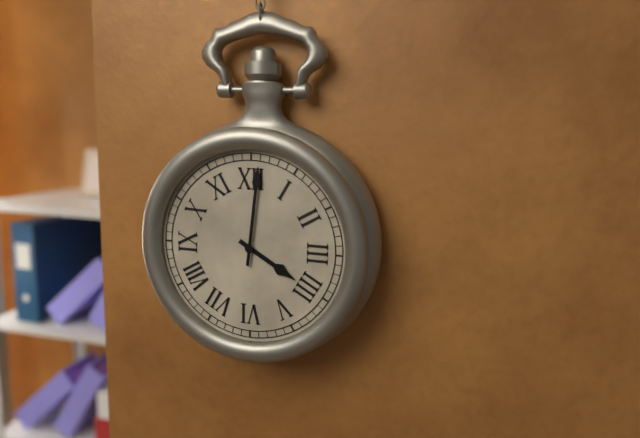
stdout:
h=4 m=1
